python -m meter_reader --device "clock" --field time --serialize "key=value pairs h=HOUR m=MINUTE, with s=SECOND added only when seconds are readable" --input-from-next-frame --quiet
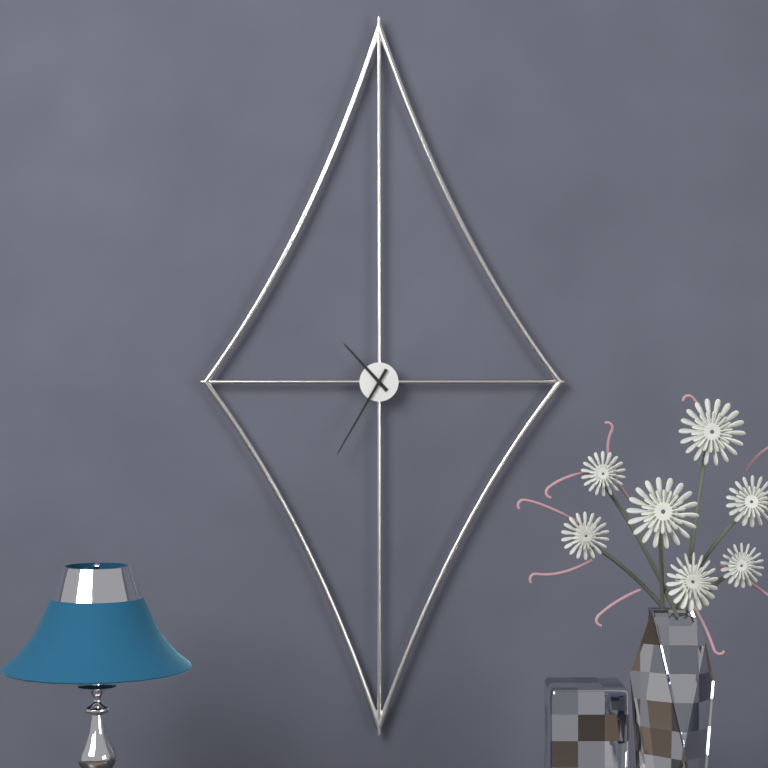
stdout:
h=10 m=35
